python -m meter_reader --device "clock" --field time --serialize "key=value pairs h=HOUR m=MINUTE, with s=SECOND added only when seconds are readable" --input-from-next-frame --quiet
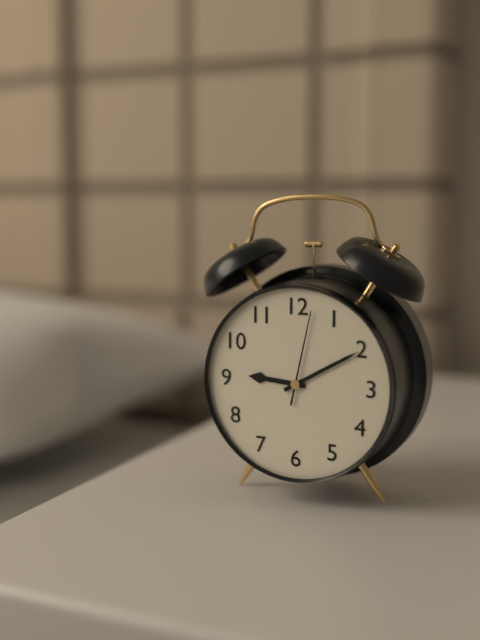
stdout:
h=9 m=10 s=2
